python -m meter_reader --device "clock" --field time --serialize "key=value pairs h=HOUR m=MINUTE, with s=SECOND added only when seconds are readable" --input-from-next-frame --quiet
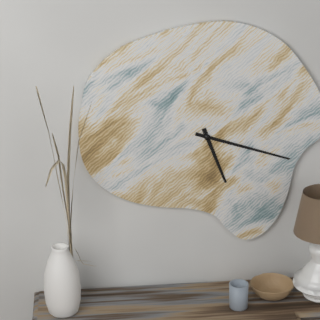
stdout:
h=5 m=18
